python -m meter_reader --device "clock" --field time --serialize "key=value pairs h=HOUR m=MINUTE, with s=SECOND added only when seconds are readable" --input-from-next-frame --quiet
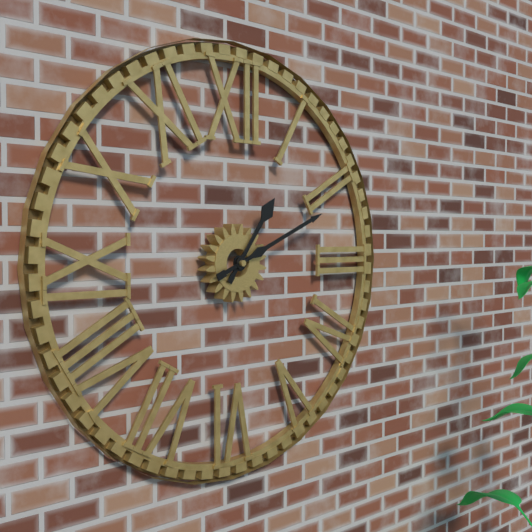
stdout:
h=1 m=11
